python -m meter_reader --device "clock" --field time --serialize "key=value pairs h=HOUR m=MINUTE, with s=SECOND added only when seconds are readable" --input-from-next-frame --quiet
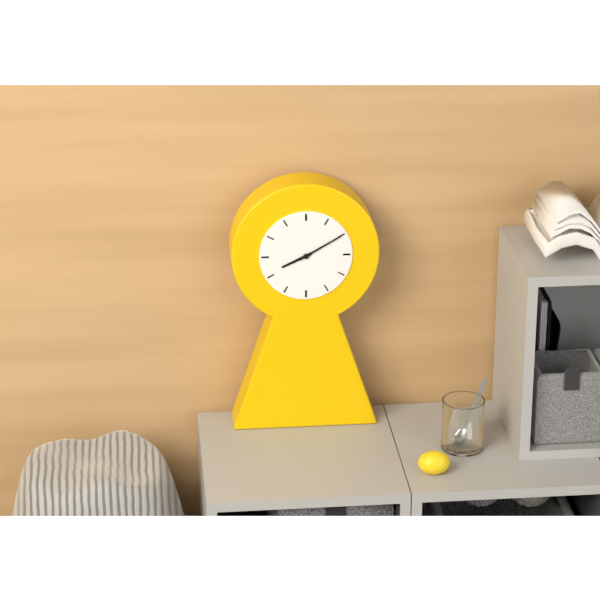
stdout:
h=8 m=10
